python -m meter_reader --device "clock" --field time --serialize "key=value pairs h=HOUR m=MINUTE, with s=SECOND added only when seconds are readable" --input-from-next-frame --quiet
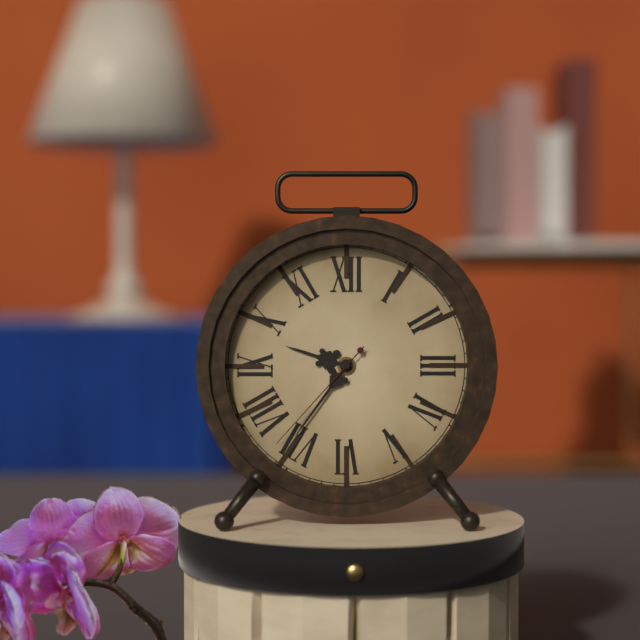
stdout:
h=9 m=36 s=37
